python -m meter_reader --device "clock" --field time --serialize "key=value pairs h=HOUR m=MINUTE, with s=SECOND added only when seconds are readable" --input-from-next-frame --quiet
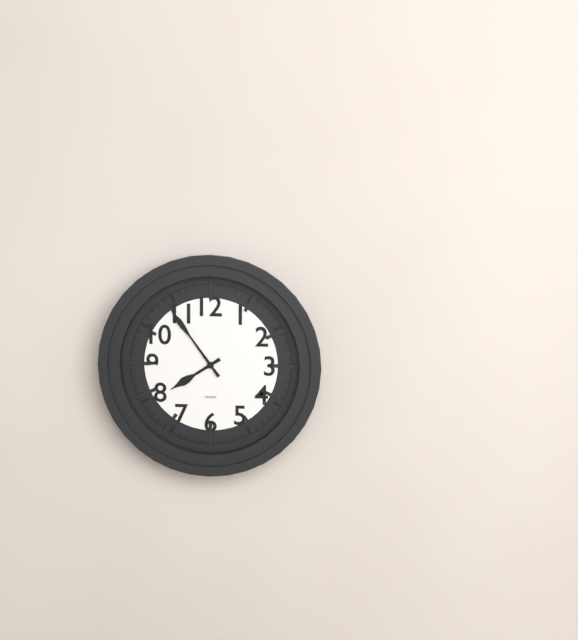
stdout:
h=7 m=54
